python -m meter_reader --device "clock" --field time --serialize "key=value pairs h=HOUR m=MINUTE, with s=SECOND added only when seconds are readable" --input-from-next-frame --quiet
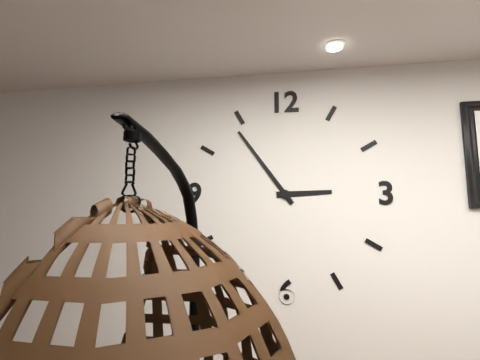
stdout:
h=2 m=54
